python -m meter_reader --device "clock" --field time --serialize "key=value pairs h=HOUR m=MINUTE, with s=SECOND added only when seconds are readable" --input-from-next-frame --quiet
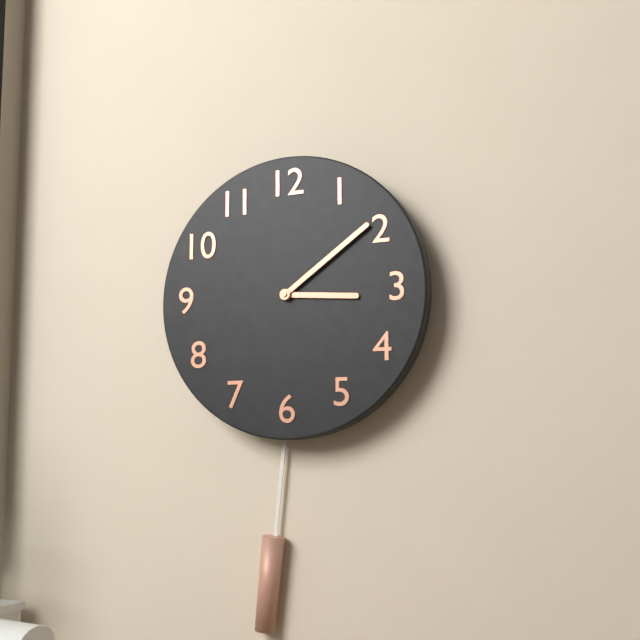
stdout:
h=3 m=9
